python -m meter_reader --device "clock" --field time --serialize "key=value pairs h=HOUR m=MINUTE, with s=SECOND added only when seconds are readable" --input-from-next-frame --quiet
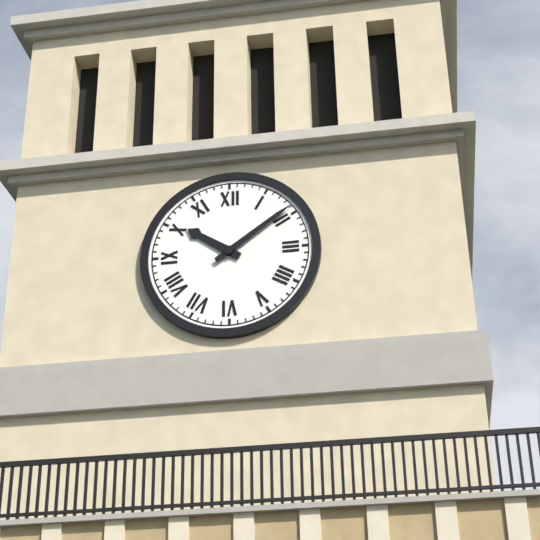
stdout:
h=10 m=9
